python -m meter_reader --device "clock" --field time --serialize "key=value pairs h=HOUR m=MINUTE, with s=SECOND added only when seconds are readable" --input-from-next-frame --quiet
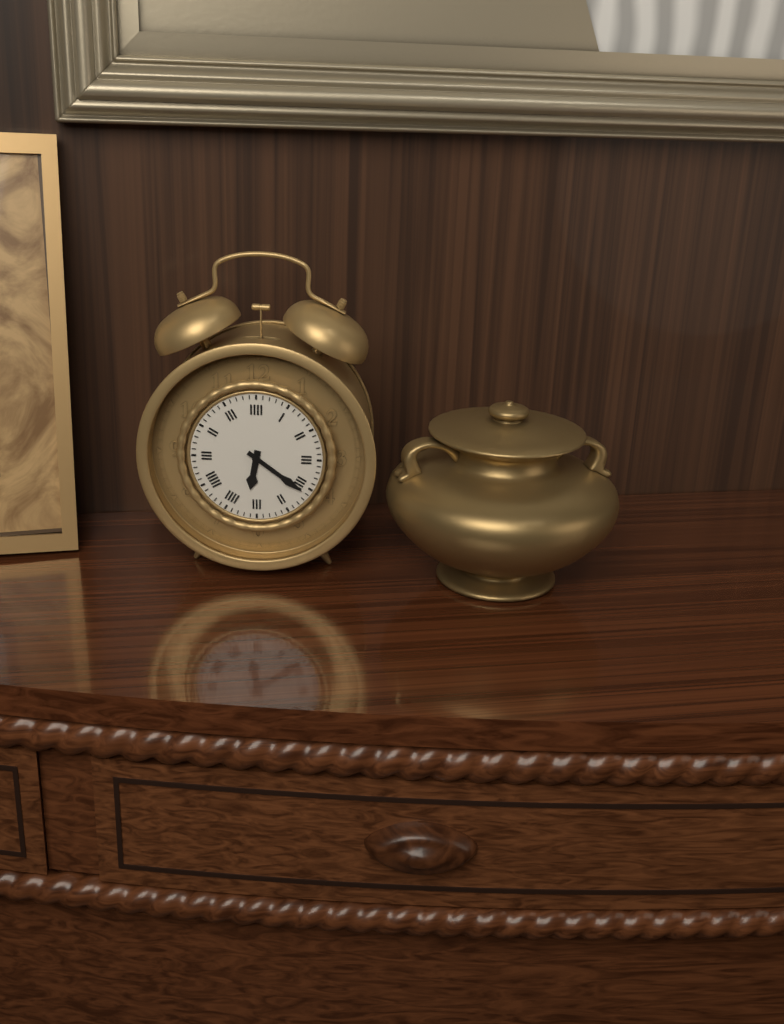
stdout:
h=6 m=21
